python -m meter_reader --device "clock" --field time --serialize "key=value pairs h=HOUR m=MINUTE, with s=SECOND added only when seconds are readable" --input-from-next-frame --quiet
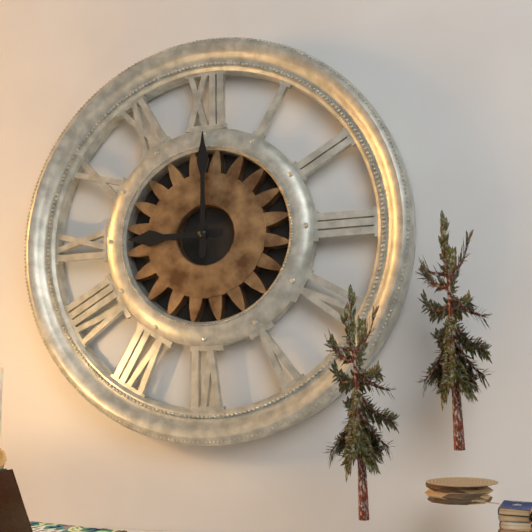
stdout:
h=9 m=0
